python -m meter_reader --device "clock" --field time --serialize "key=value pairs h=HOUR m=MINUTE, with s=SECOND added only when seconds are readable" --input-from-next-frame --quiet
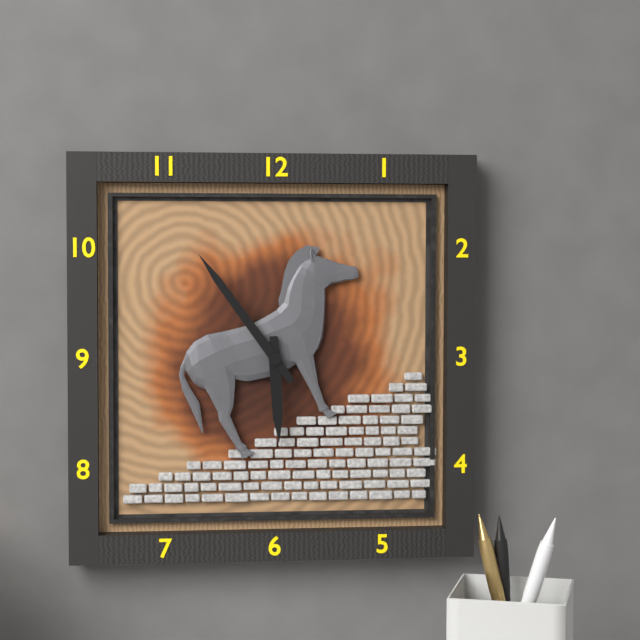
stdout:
h=5 m=54
